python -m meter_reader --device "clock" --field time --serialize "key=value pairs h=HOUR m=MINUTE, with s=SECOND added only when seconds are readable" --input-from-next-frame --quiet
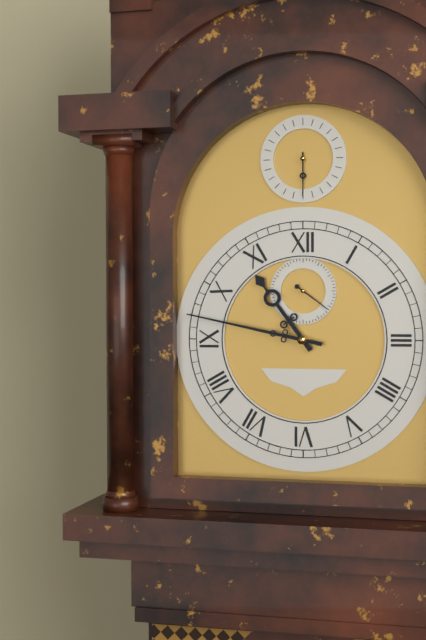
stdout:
h=10 m=47
